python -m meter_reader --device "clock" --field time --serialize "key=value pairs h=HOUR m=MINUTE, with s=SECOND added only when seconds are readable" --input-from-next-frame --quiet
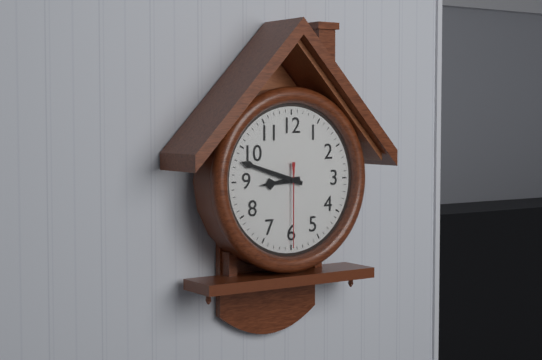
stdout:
h=8 m=48 s=30
